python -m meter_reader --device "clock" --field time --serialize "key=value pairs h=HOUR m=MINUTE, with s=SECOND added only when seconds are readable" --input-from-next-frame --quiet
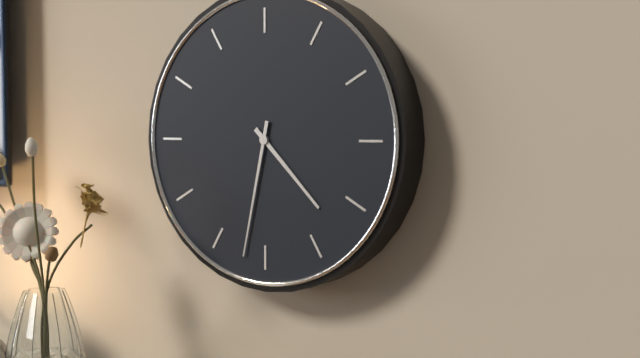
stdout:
h=4 m=32
